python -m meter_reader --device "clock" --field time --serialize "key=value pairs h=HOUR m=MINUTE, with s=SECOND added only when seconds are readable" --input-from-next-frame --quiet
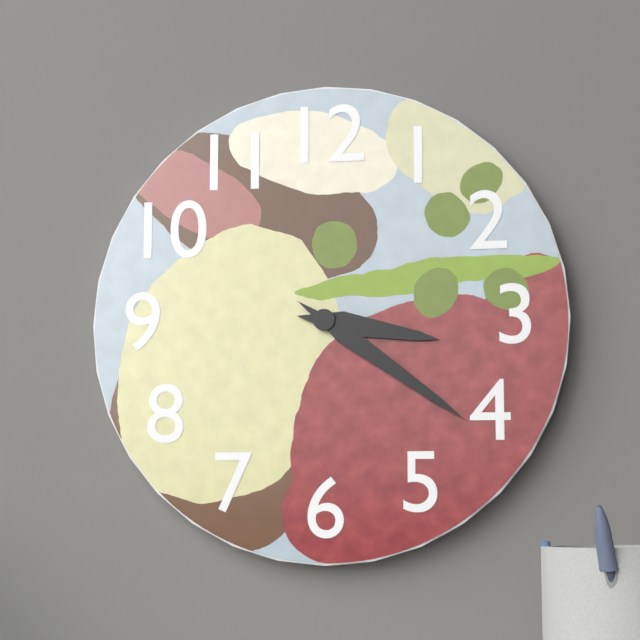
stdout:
h=3 m=21
